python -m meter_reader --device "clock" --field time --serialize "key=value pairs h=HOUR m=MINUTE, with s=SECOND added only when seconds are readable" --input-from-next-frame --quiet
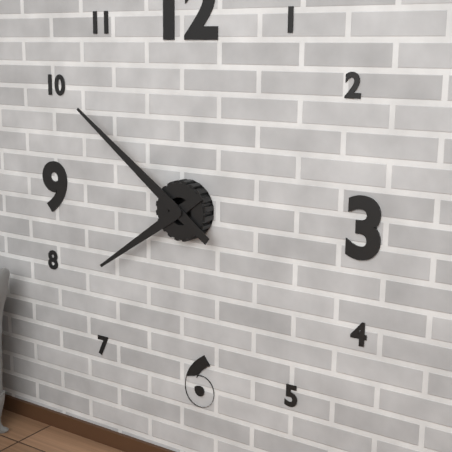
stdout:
h=7 m=51
